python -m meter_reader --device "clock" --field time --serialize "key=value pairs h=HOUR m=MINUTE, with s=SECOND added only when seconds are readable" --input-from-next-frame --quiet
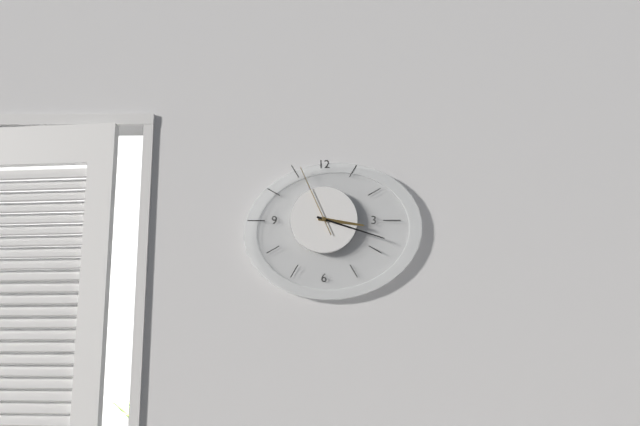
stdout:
h=3 m=18 s=56
